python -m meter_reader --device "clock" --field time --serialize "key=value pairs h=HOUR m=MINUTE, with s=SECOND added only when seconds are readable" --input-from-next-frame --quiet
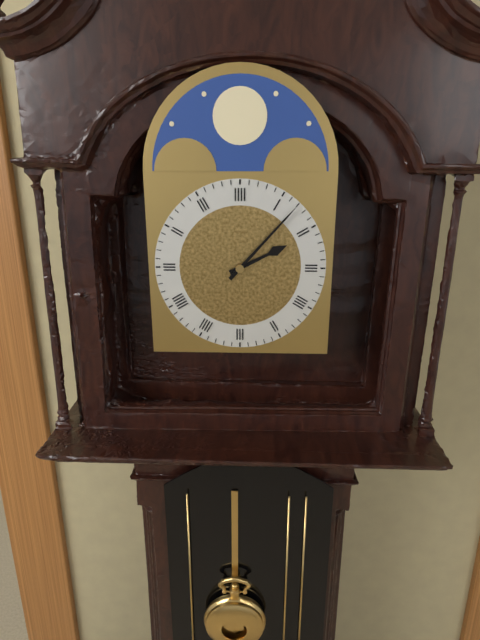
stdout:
h=2 m=7
